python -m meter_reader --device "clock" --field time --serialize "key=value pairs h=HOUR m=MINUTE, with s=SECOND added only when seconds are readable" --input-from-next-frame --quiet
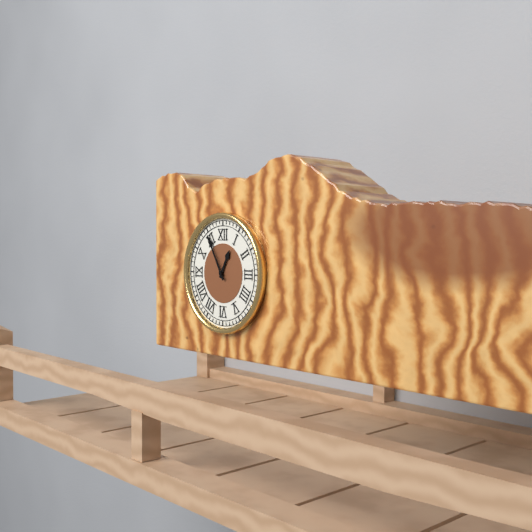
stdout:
h=12 m=55
